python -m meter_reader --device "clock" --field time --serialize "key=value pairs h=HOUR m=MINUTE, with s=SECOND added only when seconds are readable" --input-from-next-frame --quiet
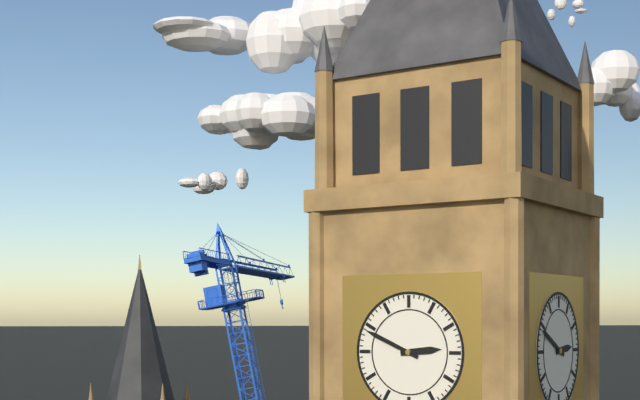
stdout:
h=2 m=49
